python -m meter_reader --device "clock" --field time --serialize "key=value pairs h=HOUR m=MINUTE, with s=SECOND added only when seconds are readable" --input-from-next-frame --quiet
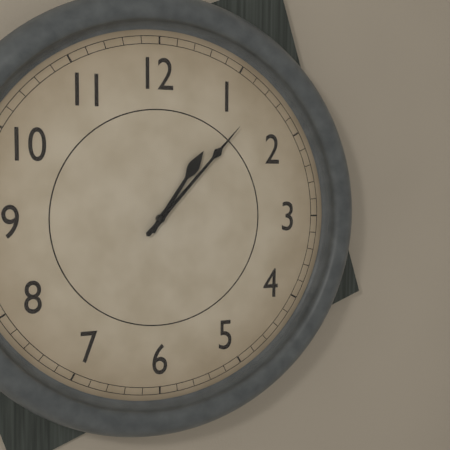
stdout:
h=1 m=7
